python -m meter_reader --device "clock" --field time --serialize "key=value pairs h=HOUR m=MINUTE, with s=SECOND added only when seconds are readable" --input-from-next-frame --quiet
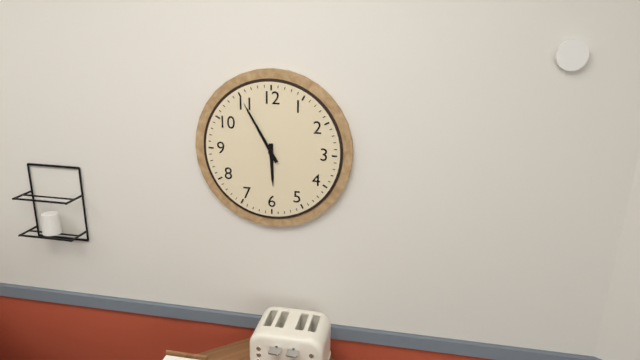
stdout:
h=5 m=55
